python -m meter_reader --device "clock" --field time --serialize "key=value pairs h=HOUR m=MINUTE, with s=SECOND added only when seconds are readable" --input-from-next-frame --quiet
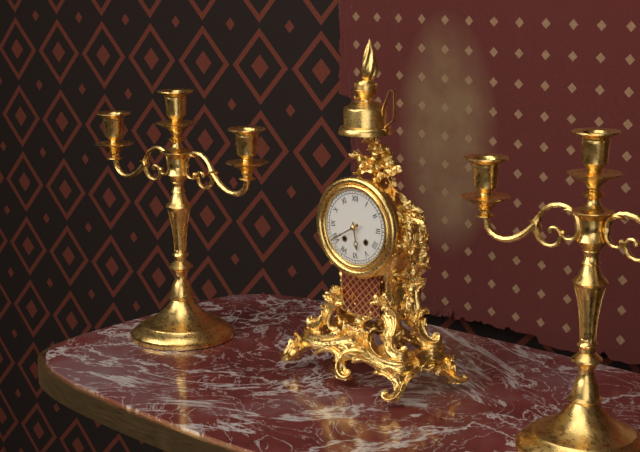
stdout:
h=5 m=40
